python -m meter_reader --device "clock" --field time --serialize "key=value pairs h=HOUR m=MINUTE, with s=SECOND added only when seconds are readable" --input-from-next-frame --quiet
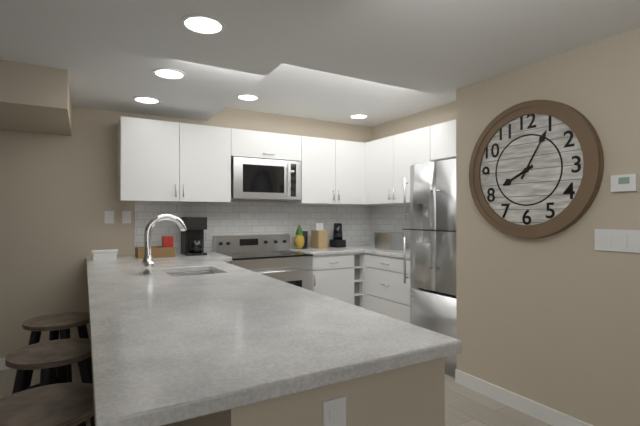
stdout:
h=8 m=5
